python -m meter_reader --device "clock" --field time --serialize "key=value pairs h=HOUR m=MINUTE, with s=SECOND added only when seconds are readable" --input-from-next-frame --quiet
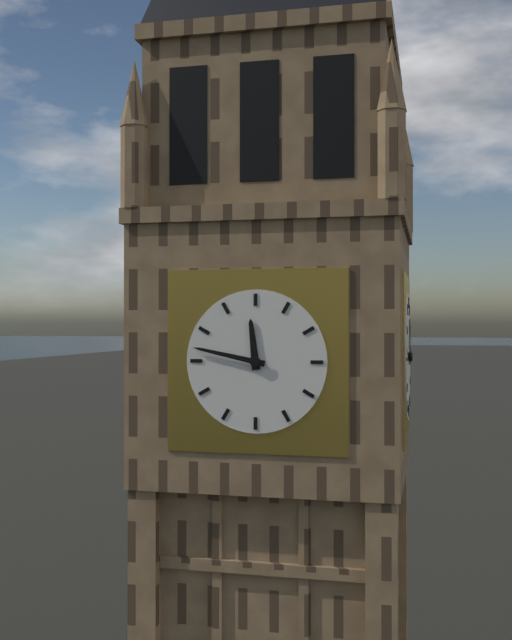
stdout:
h=11 m=47
